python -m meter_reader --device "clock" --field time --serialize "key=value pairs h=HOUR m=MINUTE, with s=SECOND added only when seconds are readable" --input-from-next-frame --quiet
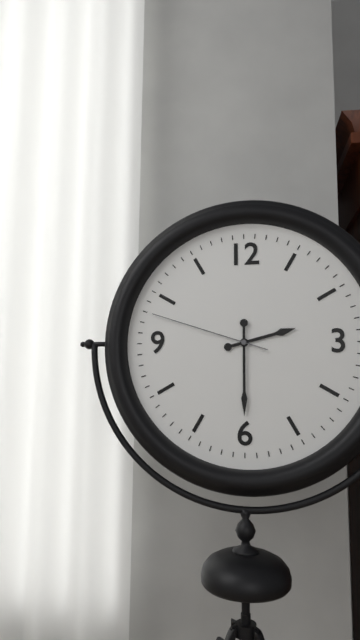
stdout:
h=2 m=30 s=48
